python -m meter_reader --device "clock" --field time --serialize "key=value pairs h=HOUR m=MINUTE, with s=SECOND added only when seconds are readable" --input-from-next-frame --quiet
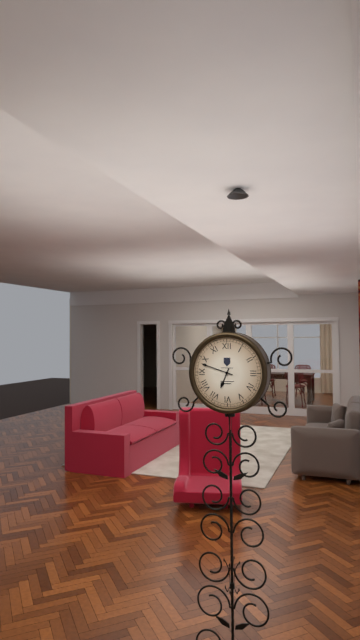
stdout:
h=6 m=48
